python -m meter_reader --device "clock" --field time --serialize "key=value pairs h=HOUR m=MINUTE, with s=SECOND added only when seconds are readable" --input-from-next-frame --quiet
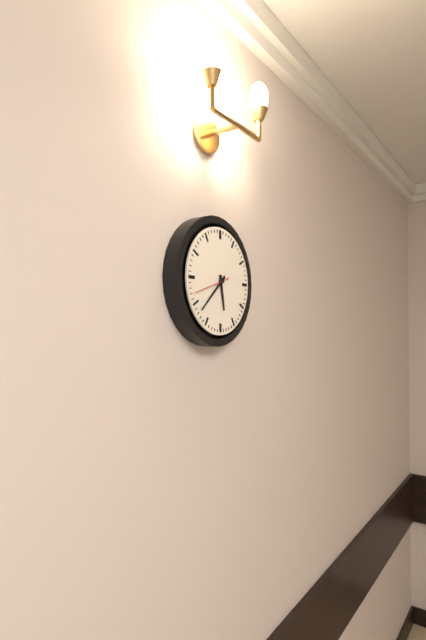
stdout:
h=5 m=38
